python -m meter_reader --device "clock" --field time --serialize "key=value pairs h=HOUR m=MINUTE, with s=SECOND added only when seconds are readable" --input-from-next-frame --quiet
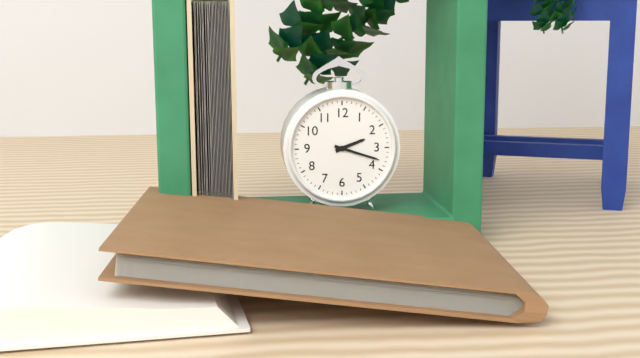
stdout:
h=2 m=18
